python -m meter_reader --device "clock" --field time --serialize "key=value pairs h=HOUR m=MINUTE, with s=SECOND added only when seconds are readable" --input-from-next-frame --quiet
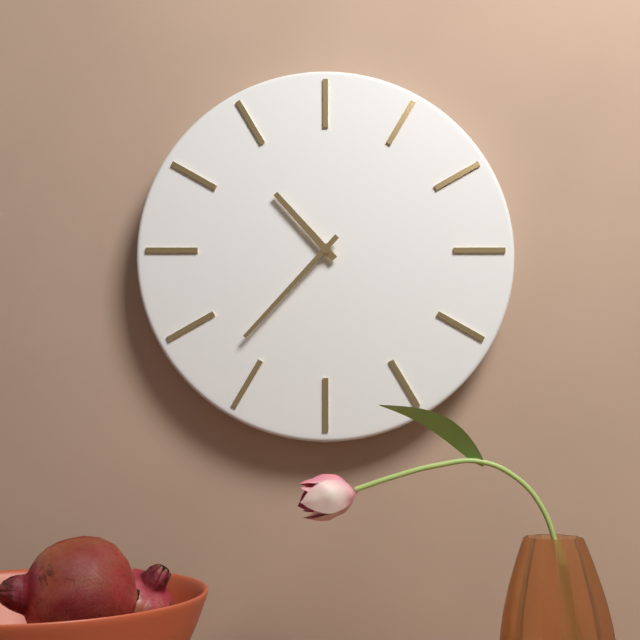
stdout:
h=10 m=37
